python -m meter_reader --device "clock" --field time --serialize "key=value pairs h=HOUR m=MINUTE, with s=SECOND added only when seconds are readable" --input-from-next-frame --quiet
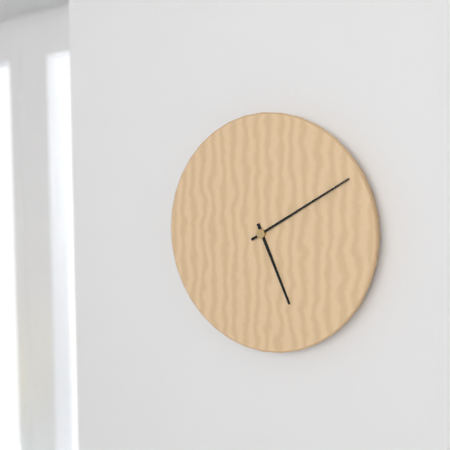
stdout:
h=5 m=10
